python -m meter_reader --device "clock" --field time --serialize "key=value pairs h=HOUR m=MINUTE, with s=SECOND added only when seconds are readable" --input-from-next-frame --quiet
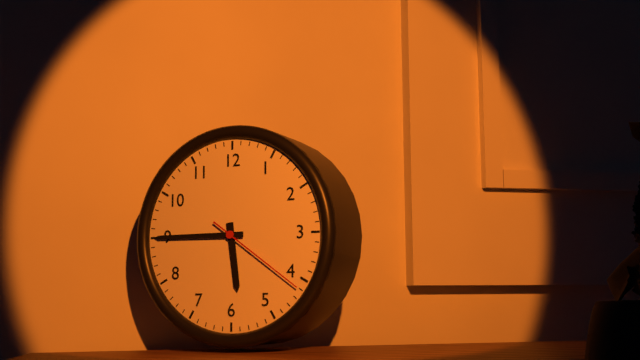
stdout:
h=5 m=45 s=21
